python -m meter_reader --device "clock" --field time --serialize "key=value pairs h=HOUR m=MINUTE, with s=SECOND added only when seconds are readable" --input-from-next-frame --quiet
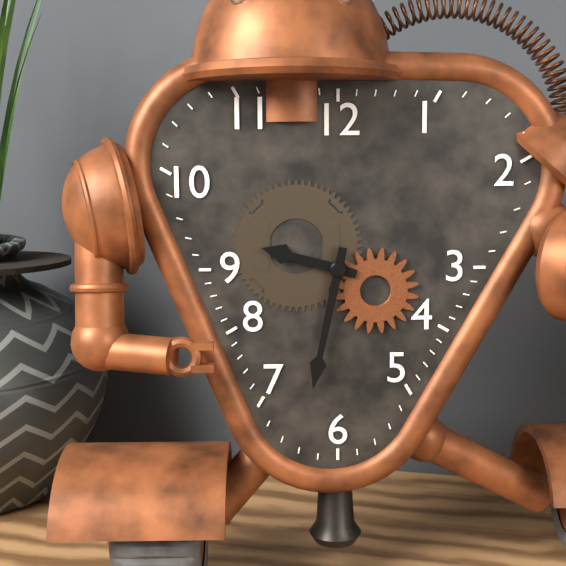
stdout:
h=9 m=32
